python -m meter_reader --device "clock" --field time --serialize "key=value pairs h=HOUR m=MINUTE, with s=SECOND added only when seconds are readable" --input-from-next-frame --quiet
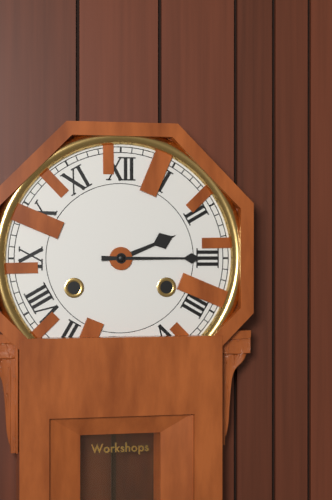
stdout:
h=2 m=15
